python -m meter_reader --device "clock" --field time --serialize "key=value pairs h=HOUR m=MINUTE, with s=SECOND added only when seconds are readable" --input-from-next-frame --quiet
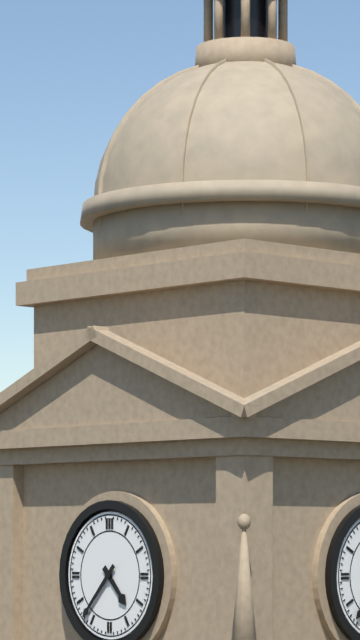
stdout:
h=4 m=37
